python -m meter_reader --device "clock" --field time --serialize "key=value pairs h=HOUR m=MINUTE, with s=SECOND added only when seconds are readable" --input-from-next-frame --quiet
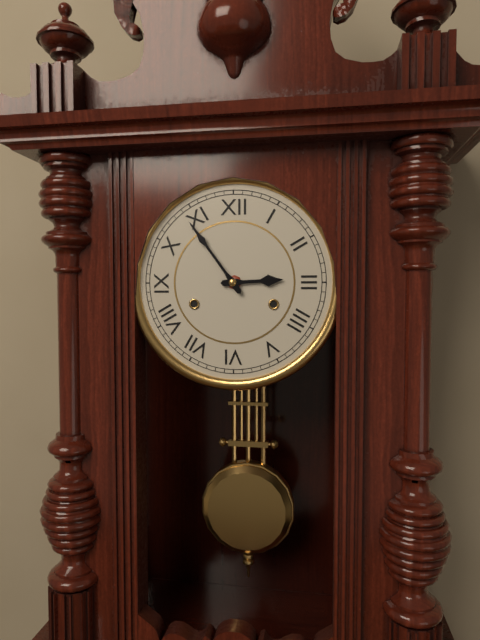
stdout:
h=2 m=54
